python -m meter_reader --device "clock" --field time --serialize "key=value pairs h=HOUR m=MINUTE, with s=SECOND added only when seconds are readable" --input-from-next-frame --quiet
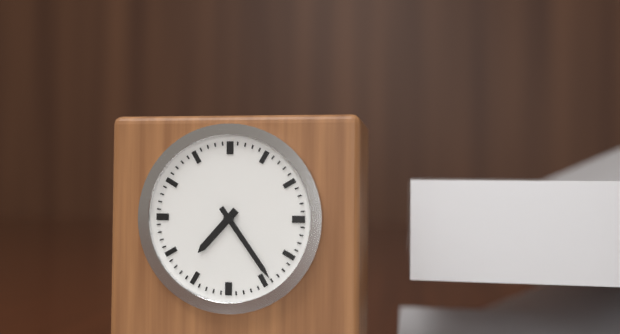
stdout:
h=7 m=24
